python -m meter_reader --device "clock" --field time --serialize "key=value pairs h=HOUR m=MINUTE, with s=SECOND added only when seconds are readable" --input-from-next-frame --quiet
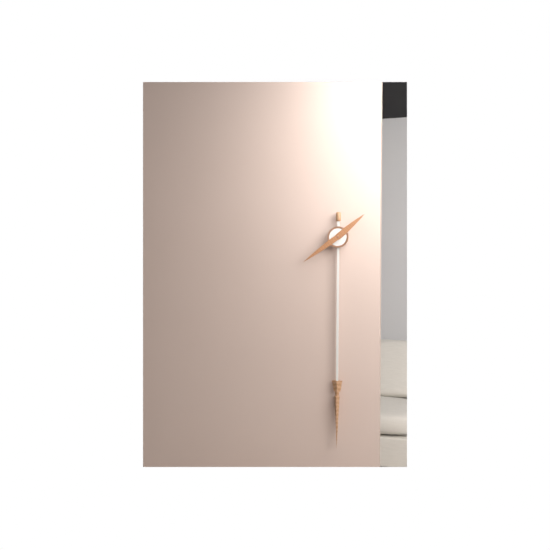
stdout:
h=1 m=39
